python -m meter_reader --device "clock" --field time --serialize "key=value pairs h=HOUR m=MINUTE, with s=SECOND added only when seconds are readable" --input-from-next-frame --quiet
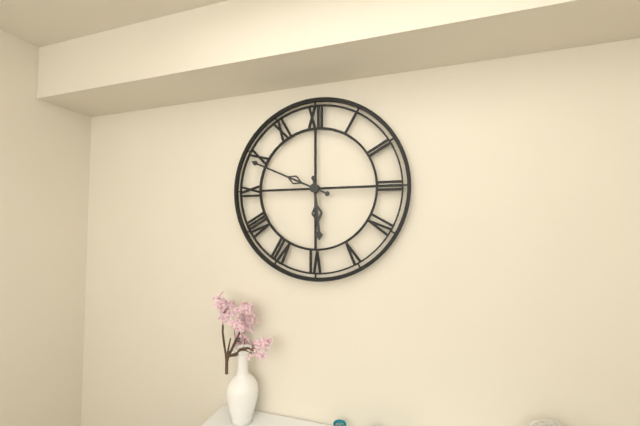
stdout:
h=5 m=49
